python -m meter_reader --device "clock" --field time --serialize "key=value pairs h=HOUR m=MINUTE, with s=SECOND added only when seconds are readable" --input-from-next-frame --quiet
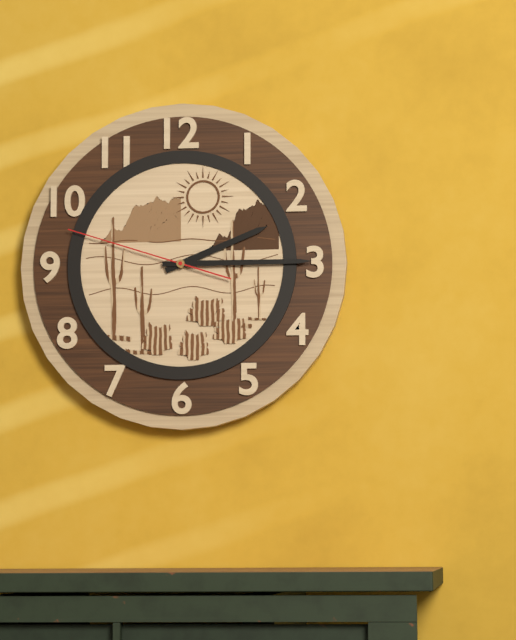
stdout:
h=2 m=15 s=48
